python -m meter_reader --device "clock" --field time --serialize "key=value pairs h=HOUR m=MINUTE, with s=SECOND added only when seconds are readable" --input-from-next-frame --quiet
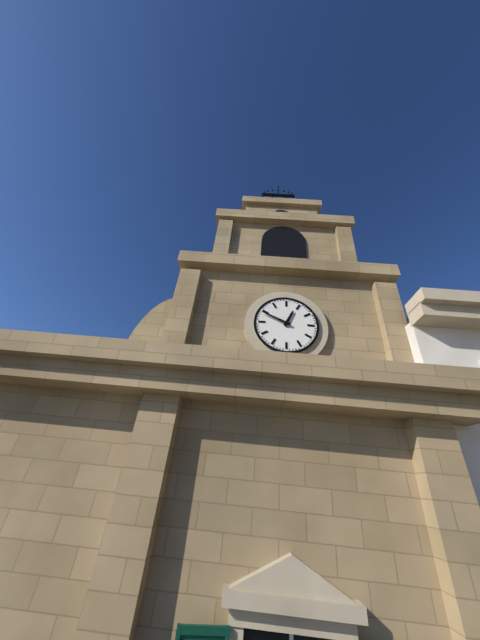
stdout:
h=12 m=49
